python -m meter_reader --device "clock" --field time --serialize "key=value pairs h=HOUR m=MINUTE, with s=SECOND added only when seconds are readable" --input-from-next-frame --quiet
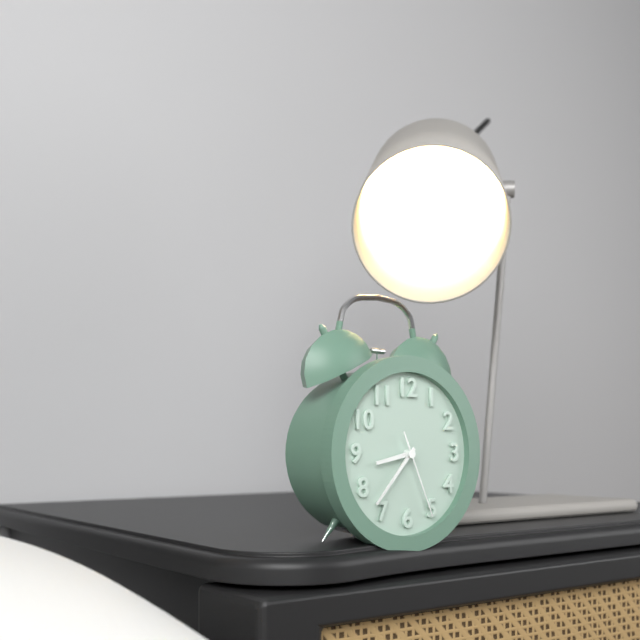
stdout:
h=8 m=37 s=26
